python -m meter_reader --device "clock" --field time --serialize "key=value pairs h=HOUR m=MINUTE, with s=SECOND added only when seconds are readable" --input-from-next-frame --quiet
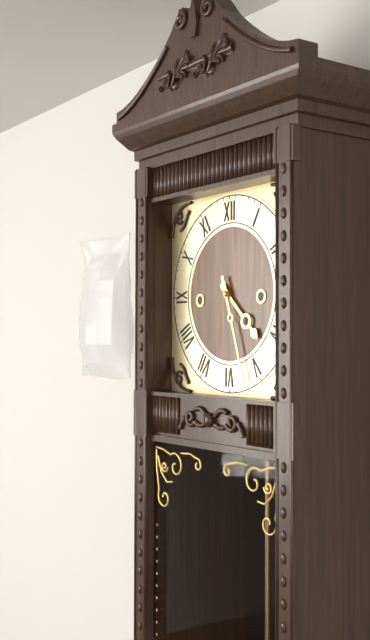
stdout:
h=4 m=27
